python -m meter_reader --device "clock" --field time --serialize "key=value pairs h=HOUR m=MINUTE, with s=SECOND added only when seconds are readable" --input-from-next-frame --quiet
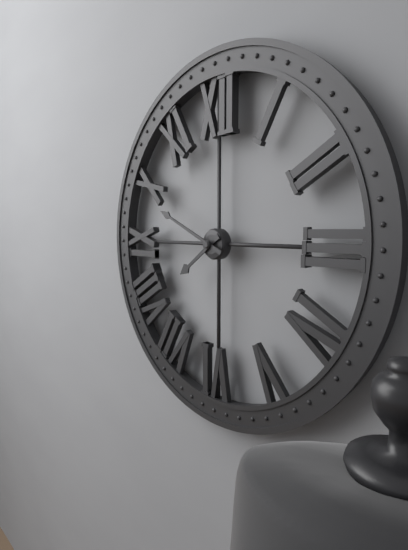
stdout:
h=7 m=49
